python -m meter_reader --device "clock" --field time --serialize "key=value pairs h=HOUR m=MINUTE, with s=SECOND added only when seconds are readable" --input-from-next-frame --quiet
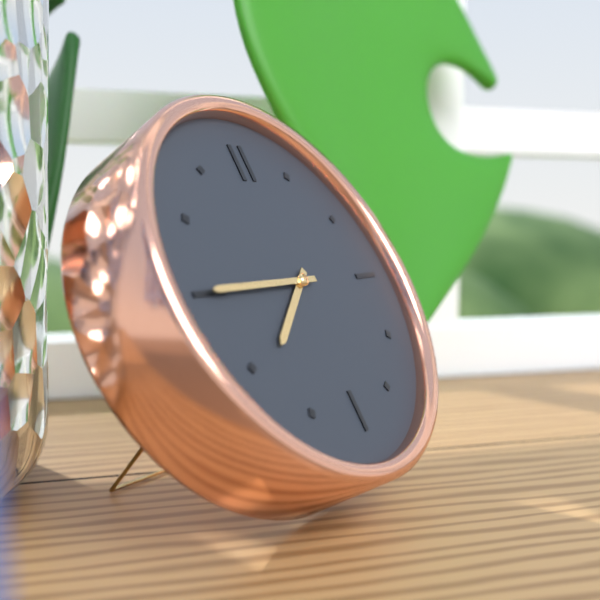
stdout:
h=7 m=45
